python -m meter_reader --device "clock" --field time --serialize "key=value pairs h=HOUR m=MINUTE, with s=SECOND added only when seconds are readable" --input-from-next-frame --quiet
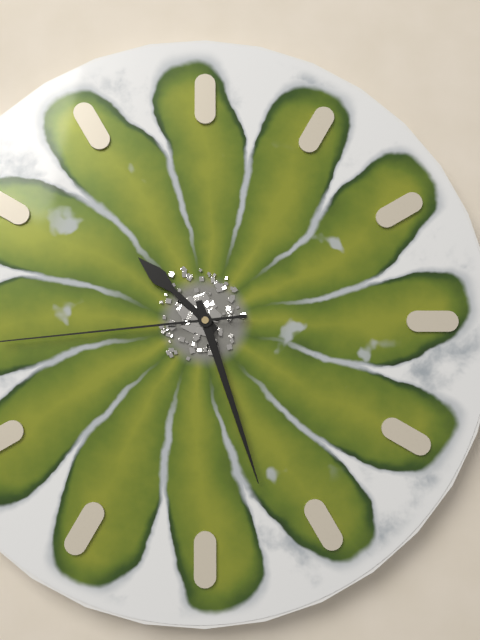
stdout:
h=10 m=27
